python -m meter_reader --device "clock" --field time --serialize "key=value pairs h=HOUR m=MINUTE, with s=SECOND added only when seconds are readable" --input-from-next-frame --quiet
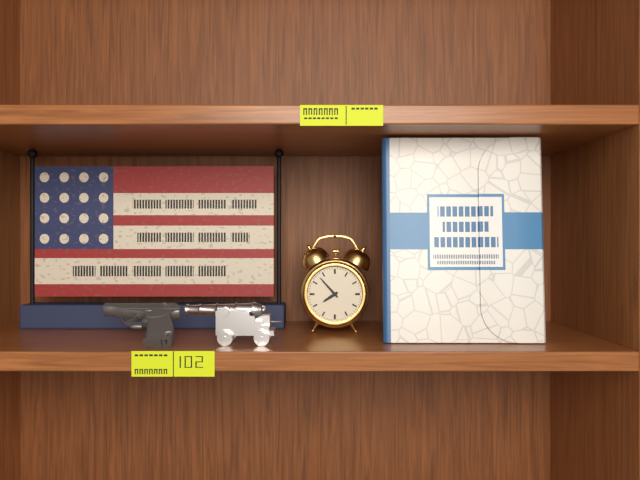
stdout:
h=7 m=53
